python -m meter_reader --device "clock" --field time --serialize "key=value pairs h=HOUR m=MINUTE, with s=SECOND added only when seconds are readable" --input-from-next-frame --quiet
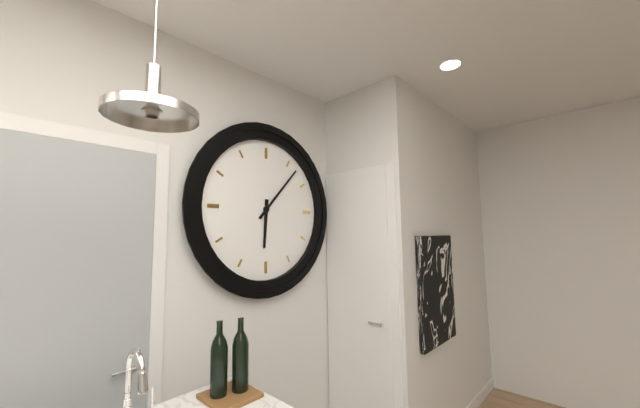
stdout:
h=6 m=7
